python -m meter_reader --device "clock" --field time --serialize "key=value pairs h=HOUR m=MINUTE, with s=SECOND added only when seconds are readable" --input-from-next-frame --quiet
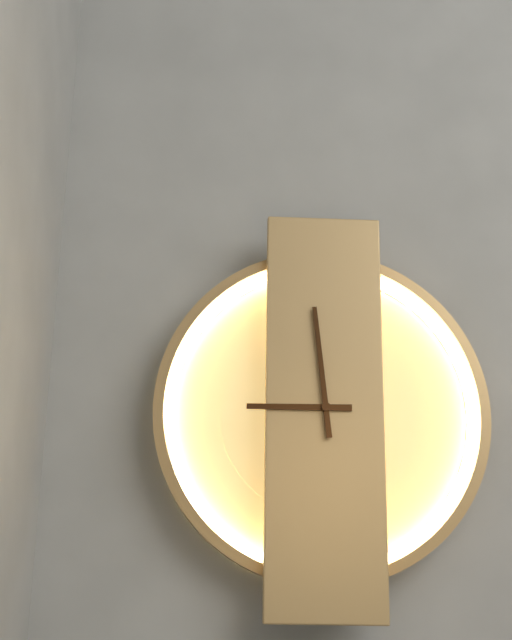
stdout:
h=8 m=59
